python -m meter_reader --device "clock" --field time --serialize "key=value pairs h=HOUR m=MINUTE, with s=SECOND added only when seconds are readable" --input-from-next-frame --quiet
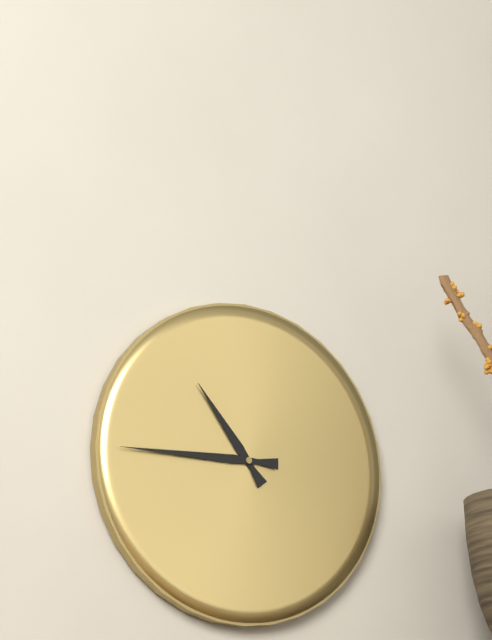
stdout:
h=10 m=45
